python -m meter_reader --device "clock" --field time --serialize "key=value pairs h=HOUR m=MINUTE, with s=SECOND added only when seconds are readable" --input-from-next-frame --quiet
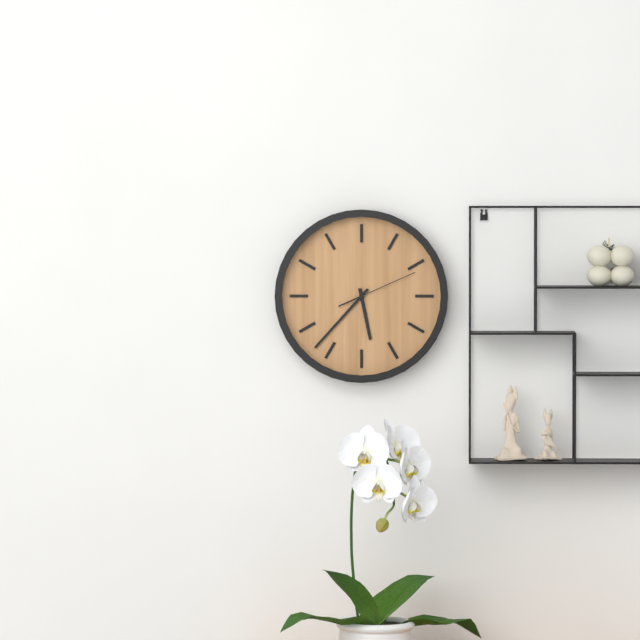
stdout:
h=5 m=37 s=11
